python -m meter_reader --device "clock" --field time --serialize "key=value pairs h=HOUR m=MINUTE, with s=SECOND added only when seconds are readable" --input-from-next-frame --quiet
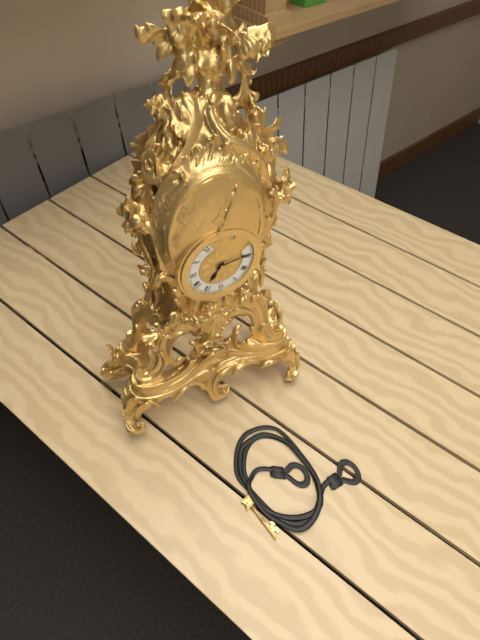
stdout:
h=7 m=14
